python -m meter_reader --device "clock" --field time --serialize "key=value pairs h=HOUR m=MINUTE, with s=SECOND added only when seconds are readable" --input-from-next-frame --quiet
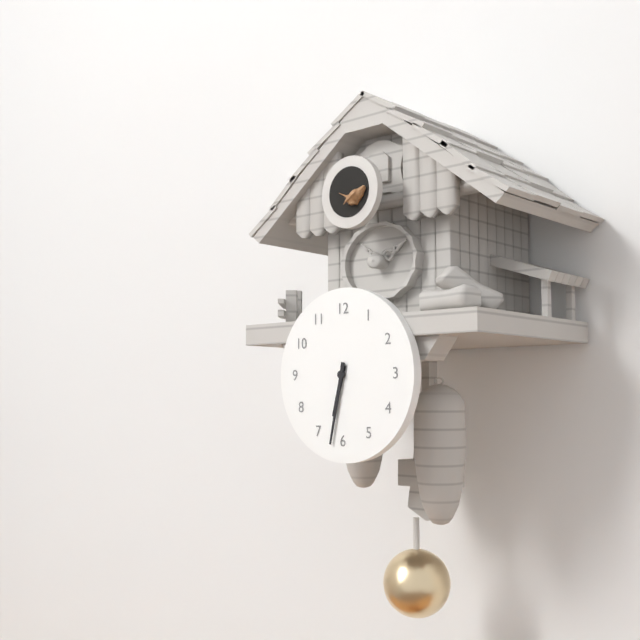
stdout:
h=6 m=32
